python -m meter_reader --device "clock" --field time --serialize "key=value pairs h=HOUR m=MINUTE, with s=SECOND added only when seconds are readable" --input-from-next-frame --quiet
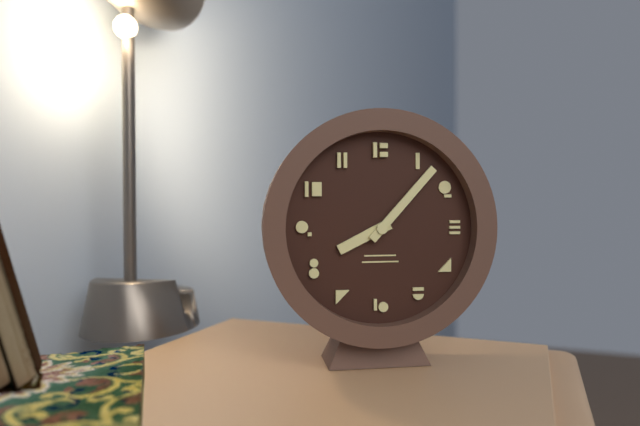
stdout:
h=8 m=7
